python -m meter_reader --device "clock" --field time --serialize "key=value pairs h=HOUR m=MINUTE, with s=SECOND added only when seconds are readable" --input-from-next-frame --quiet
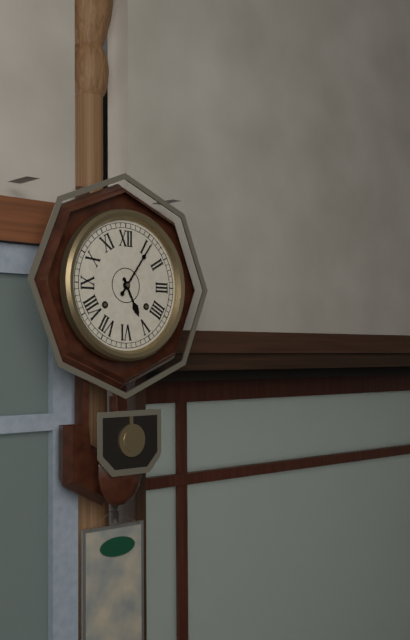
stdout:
h=5 m=6
